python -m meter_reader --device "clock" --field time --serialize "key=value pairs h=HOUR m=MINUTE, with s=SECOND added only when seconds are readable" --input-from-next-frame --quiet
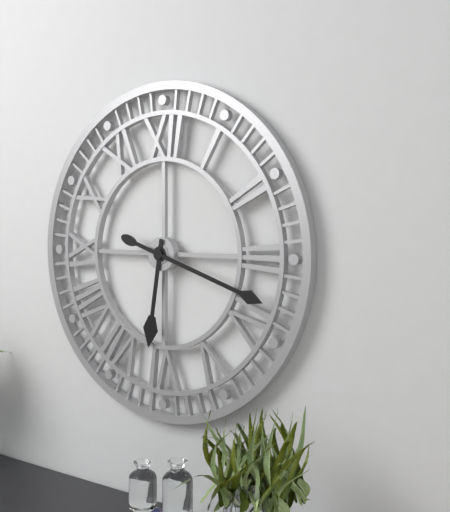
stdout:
h=6 m=18
